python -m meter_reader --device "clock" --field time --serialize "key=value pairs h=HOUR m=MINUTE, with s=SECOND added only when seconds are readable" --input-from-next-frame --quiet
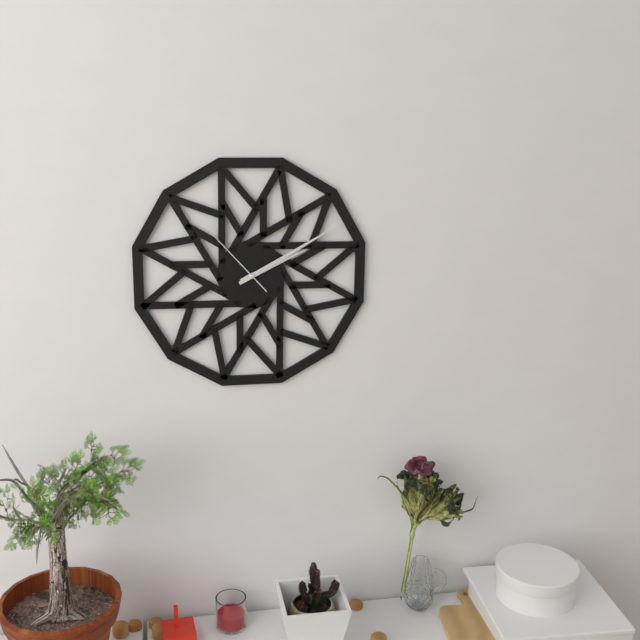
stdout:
h=2 m=10 s=53
